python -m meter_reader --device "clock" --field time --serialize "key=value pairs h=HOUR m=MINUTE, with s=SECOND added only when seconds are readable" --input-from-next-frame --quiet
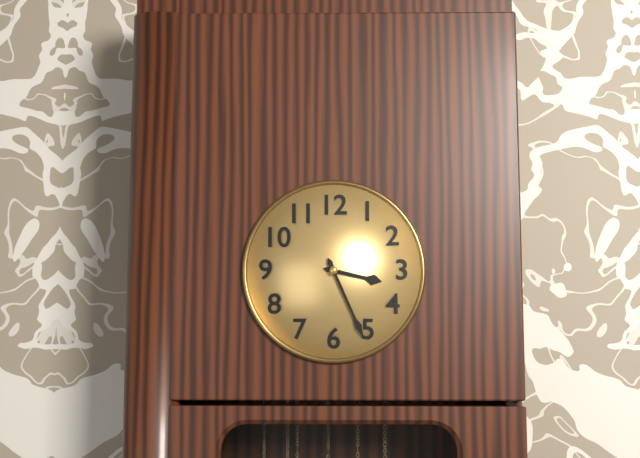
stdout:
h=3 m=26
